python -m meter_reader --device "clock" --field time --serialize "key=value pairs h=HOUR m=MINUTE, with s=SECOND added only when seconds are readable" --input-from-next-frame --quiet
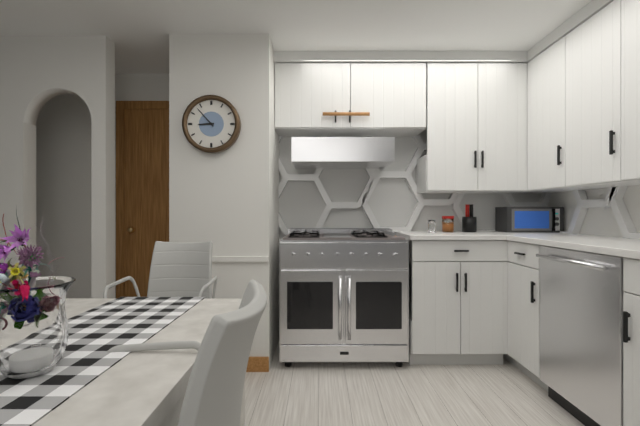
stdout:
h=8 m=53
